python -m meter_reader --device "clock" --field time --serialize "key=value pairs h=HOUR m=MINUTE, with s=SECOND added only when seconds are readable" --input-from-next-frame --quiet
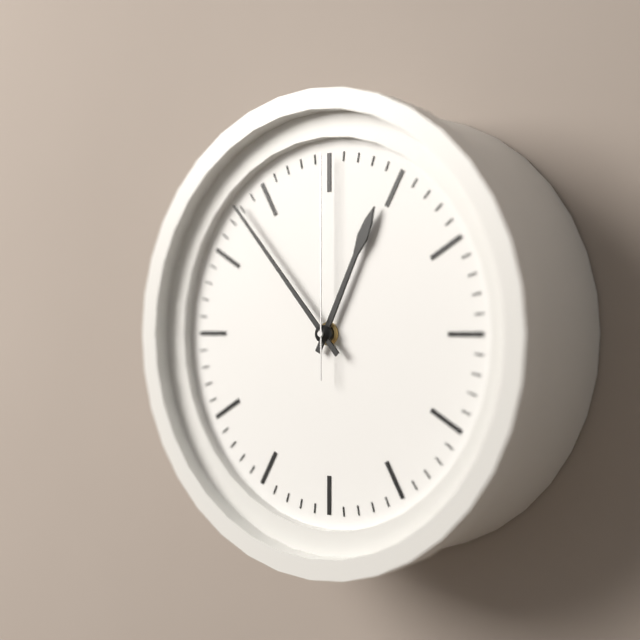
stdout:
h=12 m=53 s=0
